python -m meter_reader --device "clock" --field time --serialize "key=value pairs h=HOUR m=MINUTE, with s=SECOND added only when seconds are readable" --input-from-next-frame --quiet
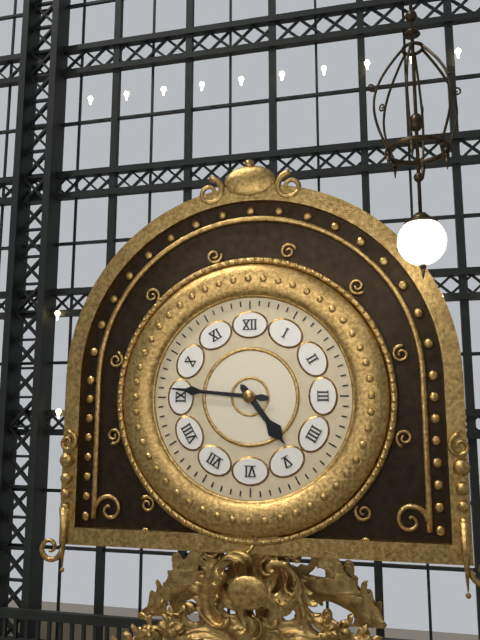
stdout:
h=4 m=46
